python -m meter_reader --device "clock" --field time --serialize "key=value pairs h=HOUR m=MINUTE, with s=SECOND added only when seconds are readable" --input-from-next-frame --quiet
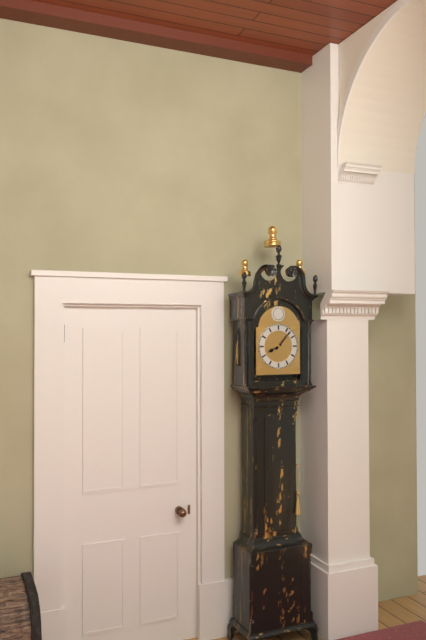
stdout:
h=8 m=7
